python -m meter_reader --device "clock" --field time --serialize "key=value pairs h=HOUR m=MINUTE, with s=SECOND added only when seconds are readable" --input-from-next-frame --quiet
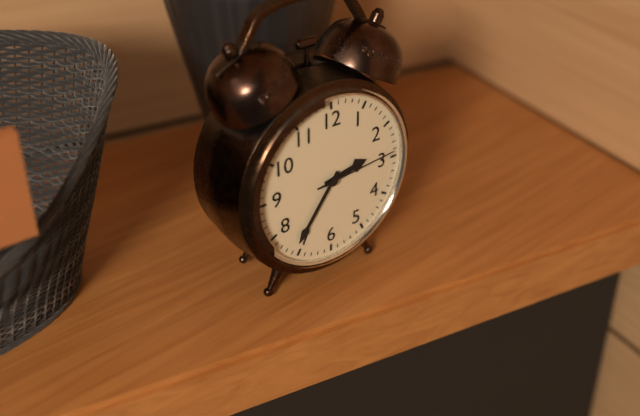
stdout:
h=2 m=36 s=14
